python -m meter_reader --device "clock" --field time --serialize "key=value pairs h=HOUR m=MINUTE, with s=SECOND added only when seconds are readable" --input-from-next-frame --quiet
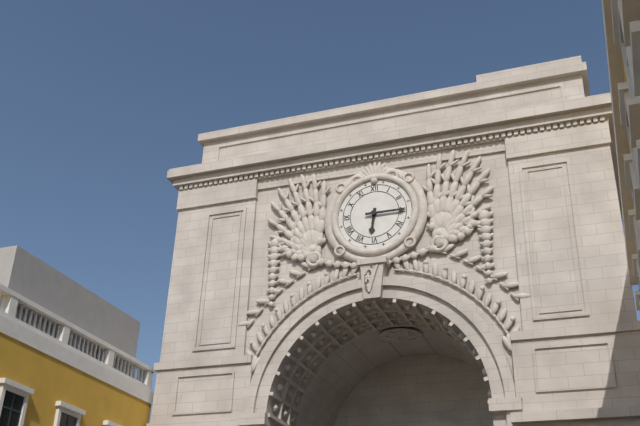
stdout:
h=6 m=15
